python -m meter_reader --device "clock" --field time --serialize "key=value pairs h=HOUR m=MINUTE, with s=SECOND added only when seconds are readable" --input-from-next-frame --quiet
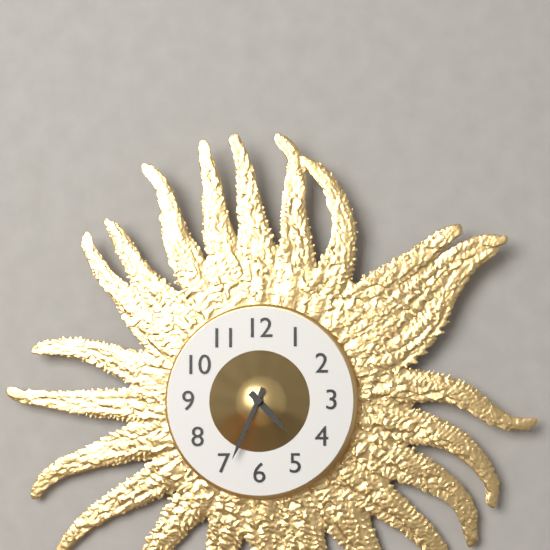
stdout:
h=4 m=34
